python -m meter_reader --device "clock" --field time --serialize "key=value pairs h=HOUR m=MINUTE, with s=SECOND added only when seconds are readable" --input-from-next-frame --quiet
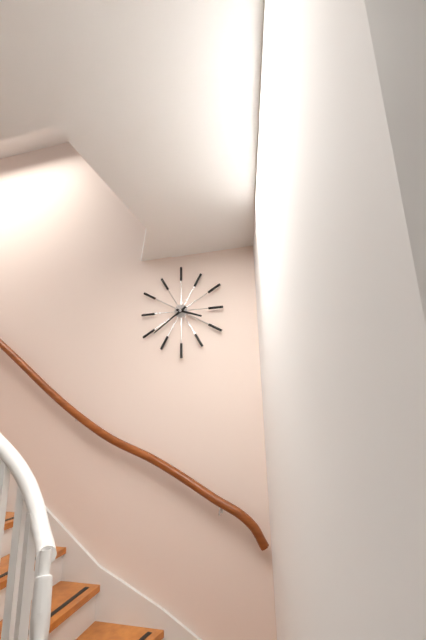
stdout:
h=3 m=39
